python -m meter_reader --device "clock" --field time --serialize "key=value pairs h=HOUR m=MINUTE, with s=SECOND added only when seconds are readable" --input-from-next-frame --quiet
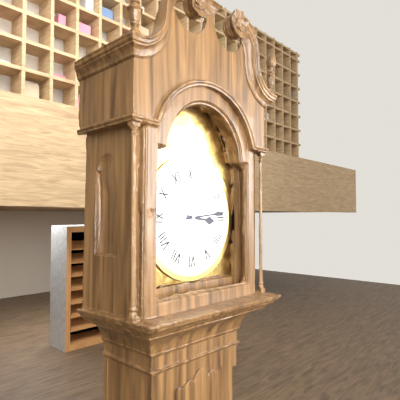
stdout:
h=3 m=14
